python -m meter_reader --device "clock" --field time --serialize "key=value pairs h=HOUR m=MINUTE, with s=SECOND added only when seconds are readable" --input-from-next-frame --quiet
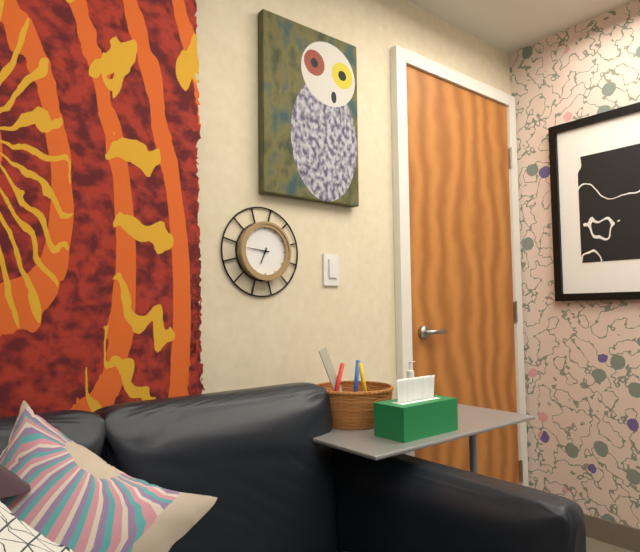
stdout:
h=6 m=46
